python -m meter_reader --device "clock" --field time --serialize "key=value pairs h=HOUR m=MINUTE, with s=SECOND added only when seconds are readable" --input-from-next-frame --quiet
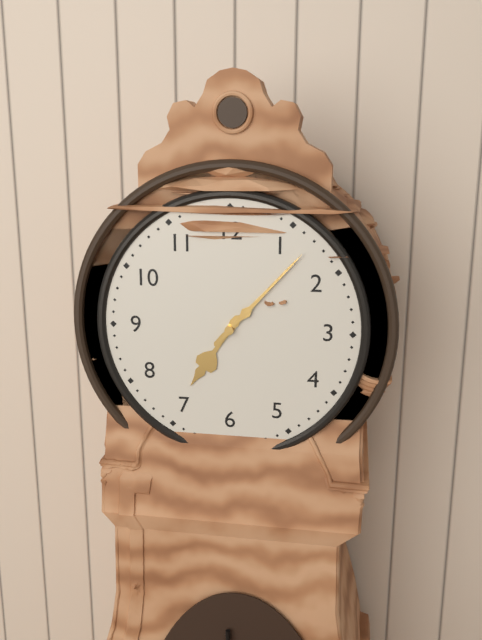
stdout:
h=7 m=7
